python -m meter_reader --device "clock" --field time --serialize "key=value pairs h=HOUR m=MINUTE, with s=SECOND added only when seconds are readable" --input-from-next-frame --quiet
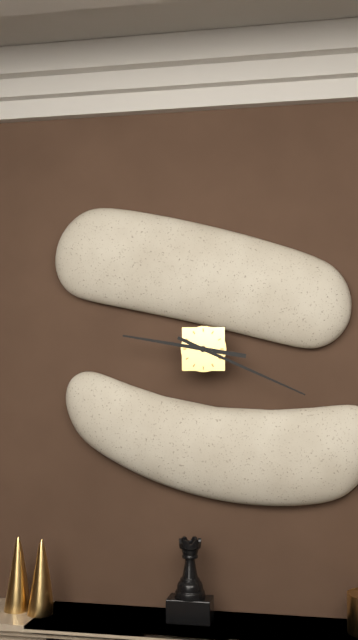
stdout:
h=9 m=19
